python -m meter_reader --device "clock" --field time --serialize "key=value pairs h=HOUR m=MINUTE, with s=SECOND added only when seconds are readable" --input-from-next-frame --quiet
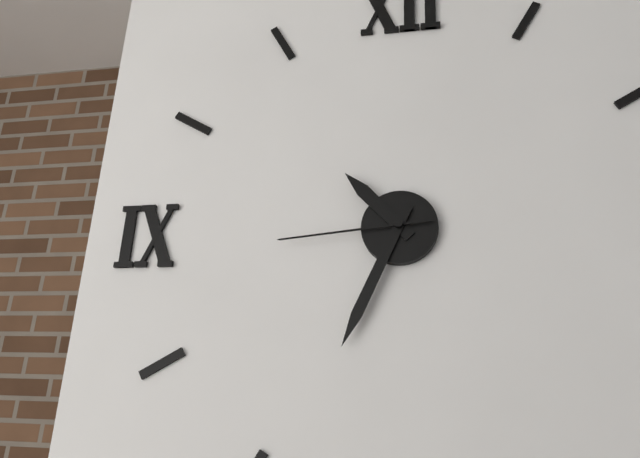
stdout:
h=10 m=34 s=44
